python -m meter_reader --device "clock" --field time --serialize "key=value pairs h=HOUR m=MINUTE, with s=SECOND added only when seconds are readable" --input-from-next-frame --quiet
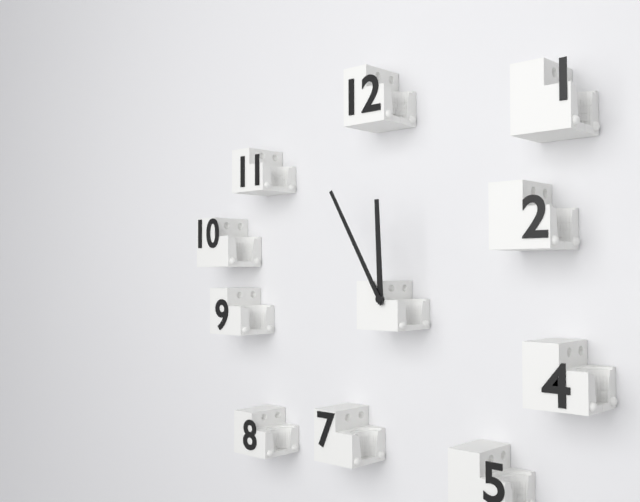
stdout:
h=11 m=55
